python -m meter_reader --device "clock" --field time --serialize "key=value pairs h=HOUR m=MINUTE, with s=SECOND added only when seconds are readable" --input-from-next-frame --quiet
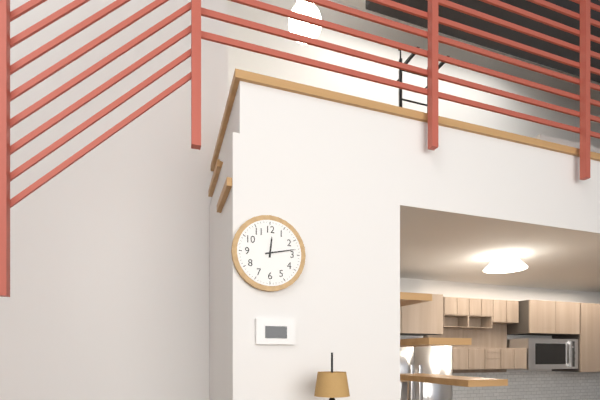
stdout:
h=12 m=13
